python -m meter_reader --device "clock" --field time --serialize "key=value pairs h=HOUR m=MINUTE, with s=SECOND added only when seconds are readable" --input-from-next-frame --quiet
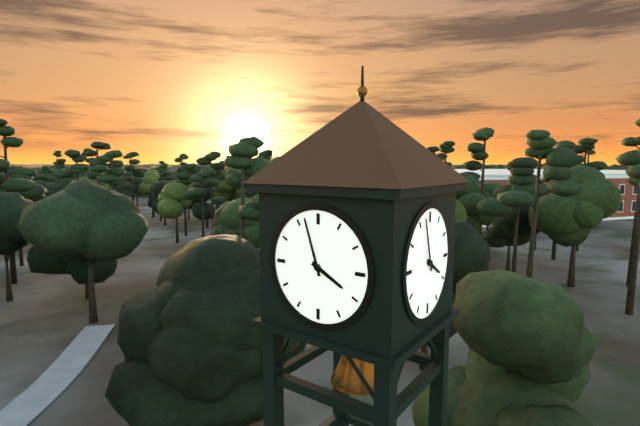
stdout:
h=3 m=57
